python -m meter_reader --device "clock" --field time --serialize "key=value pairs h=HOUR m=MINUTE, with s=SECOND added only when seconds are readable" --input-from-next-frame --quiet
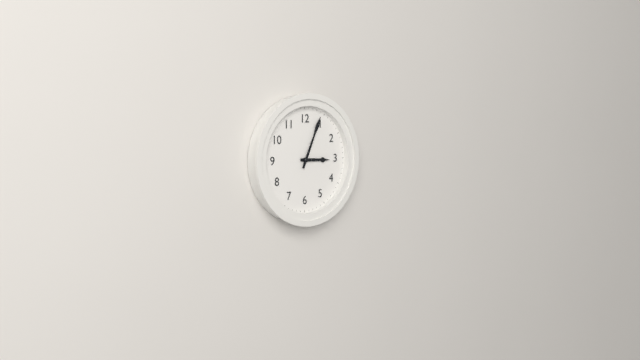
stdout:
h=3 m=4
